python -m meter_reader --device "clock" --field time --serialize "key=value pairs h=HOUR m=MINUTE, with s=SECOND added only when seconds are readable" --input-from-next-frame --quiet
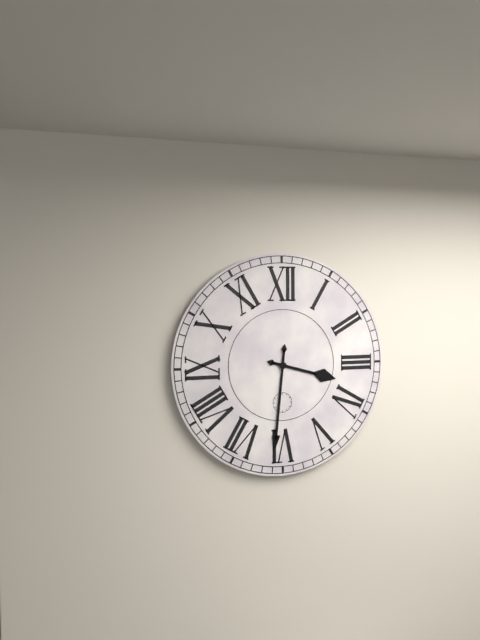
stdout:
h=3 m=31
